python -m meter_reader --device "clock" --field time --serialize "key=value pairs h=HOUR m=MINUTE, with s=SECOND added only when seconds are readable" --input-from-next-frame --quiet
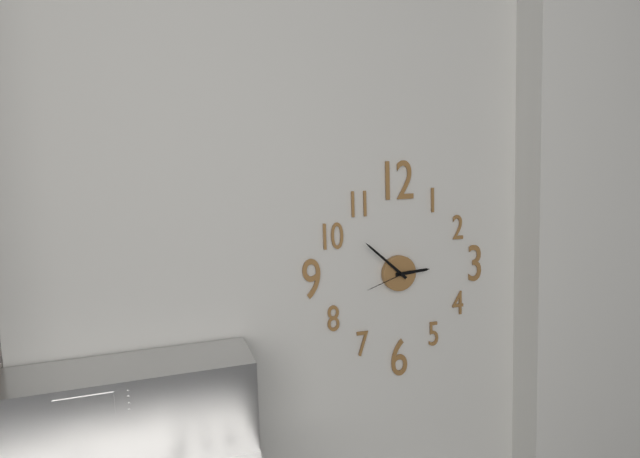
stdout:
h=2 m=52
